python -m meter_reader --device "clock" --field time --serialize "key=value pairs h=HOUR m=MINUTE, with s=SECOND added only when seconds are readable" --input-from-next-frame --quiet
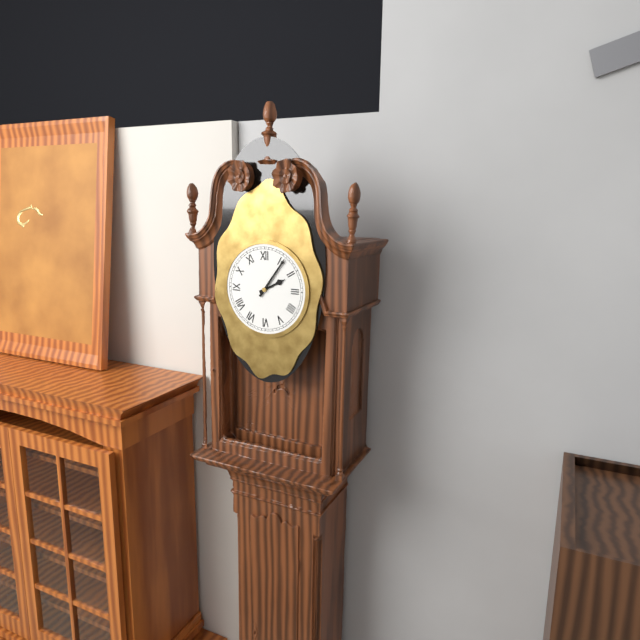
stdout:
h=2 m=6
